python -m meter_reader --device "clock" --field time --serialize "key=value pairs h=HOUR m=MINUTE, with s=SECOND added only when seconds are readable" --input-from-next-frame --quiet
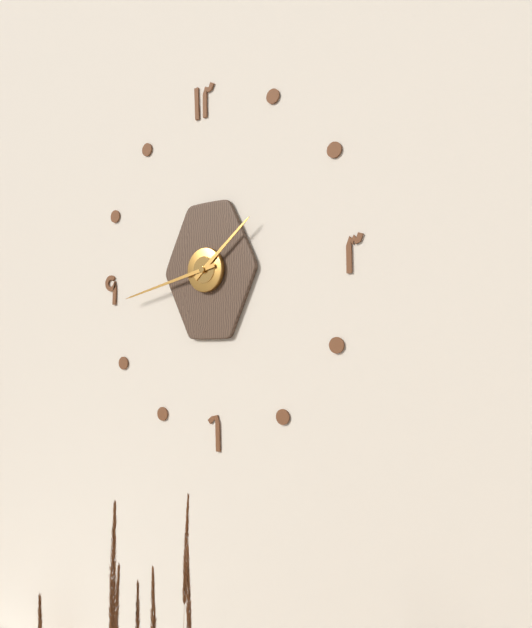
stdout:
h=1 m=43
